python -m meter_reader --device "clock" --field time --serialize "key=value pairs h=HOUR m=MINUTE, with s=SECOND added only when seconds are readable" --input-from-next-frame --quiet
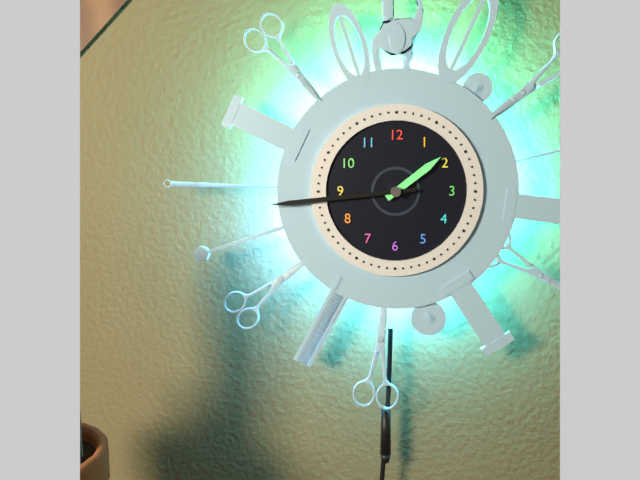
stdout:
h=1 m=44
